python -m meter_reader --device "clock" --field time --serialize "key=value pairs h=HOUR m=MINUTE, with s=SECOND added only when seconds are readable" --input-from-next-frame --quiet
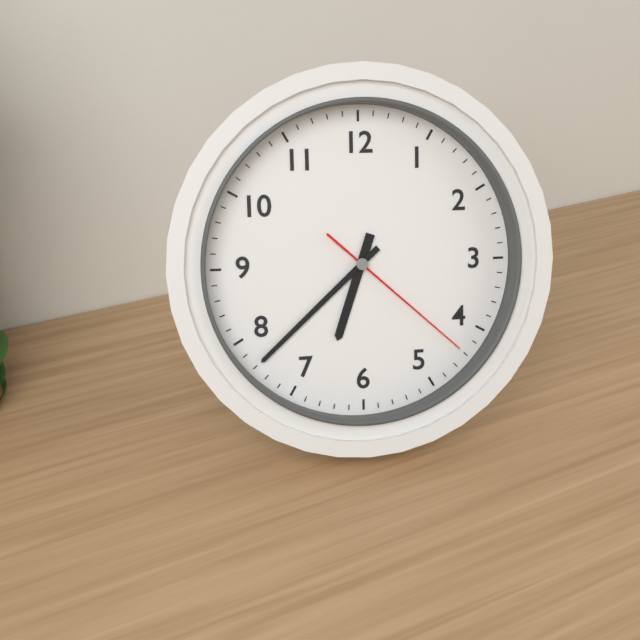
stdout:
h=6 m=38 s=22
